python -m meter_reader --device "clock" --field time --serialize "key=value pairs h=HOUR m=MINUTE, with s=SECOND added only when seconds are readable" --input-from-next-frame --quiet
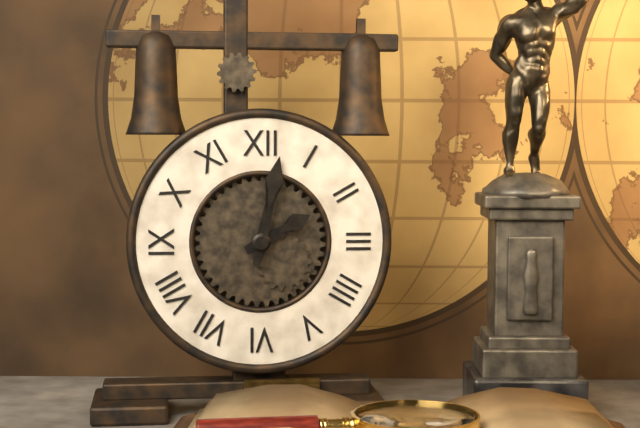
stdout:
h=2 m=2
